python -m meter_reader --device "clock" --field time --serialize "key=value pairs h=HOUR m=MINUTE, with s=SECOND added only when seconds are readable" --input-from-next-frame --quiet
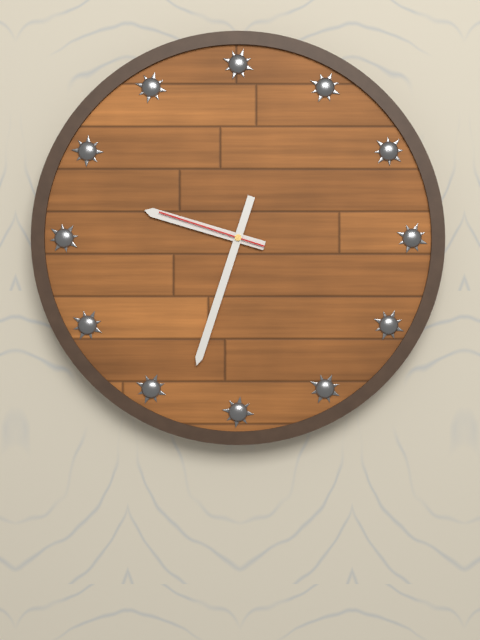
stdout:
h=9 m=33 s=48
